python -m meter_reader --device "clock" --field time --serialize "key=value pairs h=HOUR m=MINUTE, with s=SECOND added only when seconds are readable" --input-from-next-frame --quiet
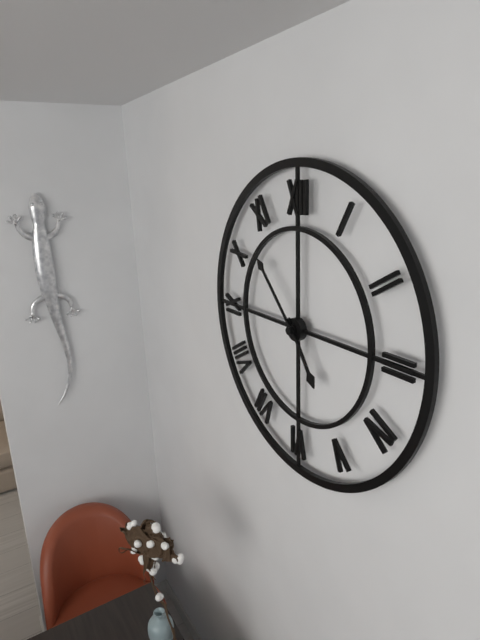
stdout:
h=4 m=53
